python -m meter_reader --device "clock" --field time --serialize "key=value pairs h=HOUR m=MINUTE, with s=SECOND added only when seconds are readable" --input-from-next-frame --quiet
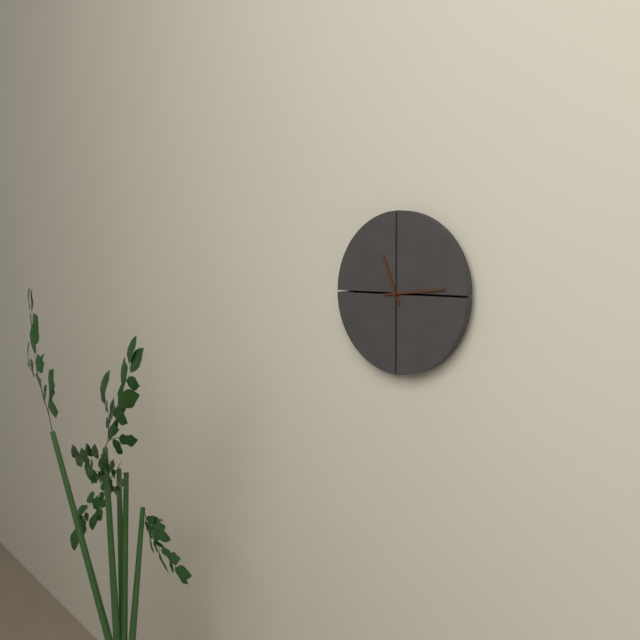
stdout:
h=11 m=14
